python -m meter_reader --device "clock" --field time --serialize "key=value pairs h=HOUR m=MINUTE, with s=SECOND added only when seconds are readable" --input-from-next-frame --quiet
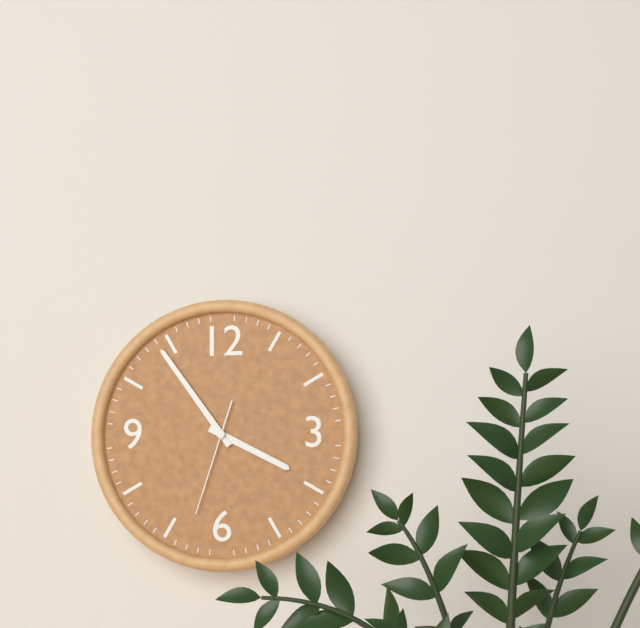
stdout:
h=3 m=54 s=33
